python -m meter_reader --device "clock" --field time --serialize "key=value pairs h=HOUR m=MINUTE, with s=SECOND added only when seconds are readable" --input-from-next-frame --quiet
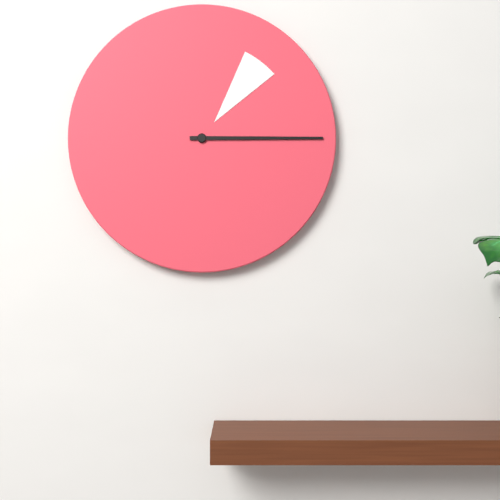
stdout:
h=1 m=15
